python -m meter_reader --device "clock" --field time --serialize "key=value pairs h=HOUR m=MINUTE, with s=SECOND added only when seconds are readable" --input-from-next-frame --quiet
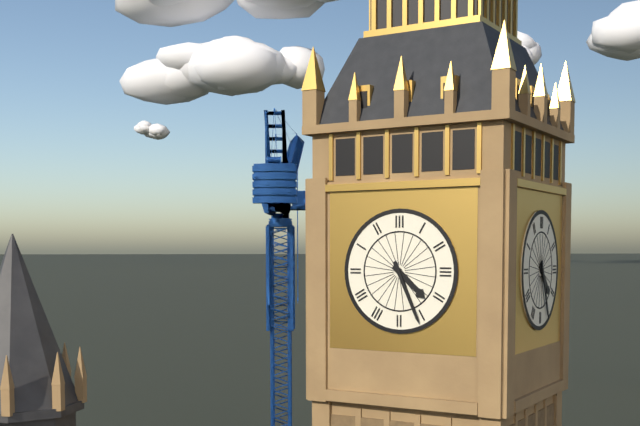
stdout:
h=4 m=26
